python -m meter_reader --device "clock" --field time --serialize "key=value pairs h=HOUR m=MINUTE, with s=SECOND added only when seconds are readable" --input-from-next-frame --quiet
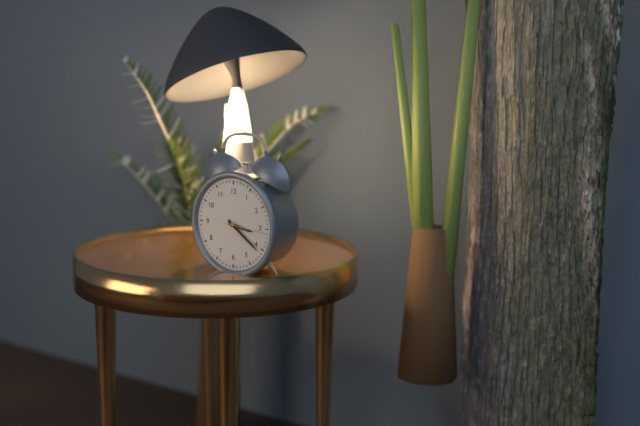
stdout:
h=3 m=21
